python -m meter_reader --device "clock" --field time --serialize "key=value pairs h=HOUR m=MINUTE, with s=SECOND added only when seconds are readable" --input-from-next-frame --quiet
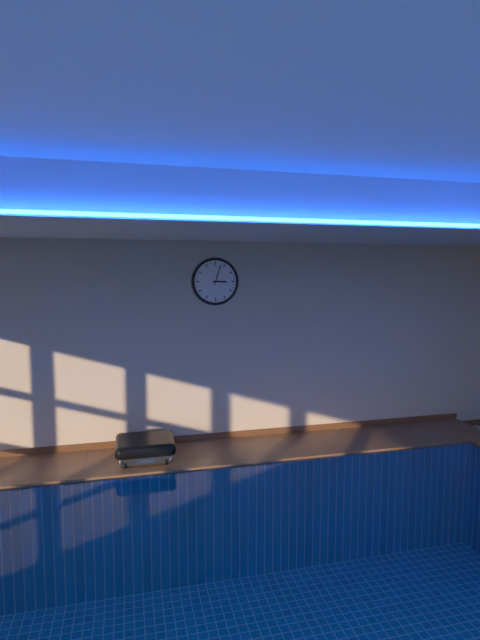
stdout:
h=3 m=3
